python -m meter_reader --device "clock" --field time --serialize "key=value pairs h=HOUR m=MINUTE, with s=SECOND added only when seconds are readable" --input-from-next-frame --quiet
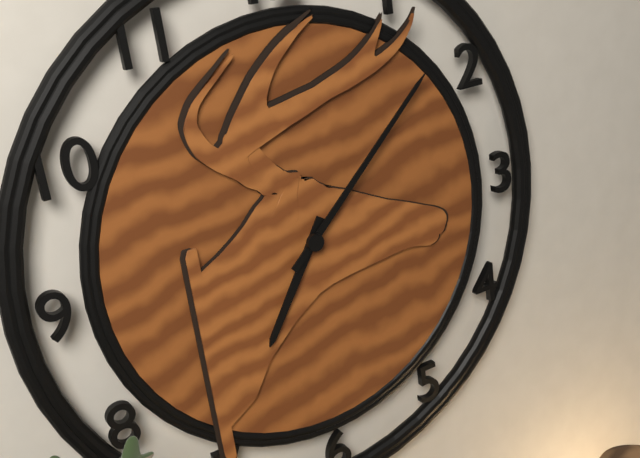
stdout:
h=7 m=8
